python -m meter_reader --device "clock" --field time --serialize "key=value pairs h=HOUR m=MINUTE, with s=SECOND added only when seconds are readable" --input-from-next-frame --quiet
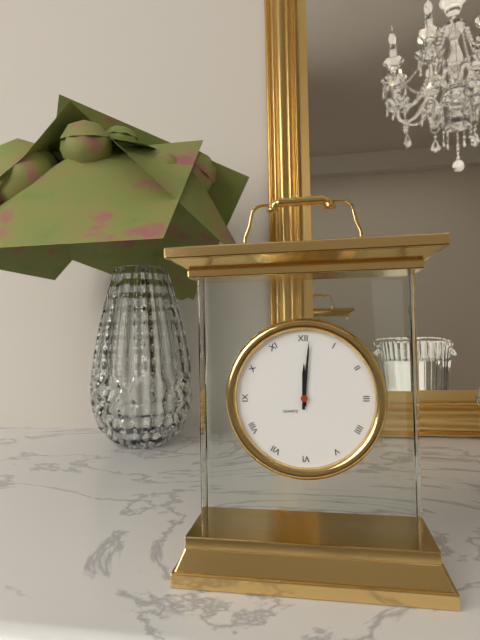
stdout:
h=12 m=1
